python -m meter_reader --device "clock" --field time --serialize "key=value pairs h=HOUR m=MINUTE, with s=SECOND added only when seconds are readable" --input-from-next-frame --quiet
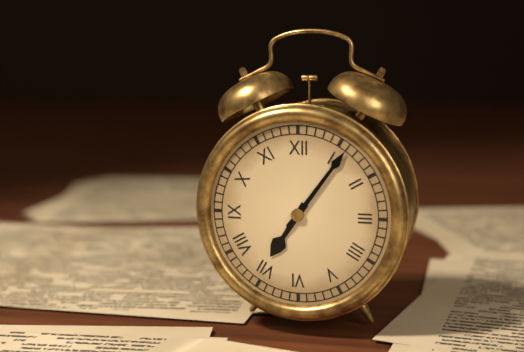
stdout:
h=7 m=6
